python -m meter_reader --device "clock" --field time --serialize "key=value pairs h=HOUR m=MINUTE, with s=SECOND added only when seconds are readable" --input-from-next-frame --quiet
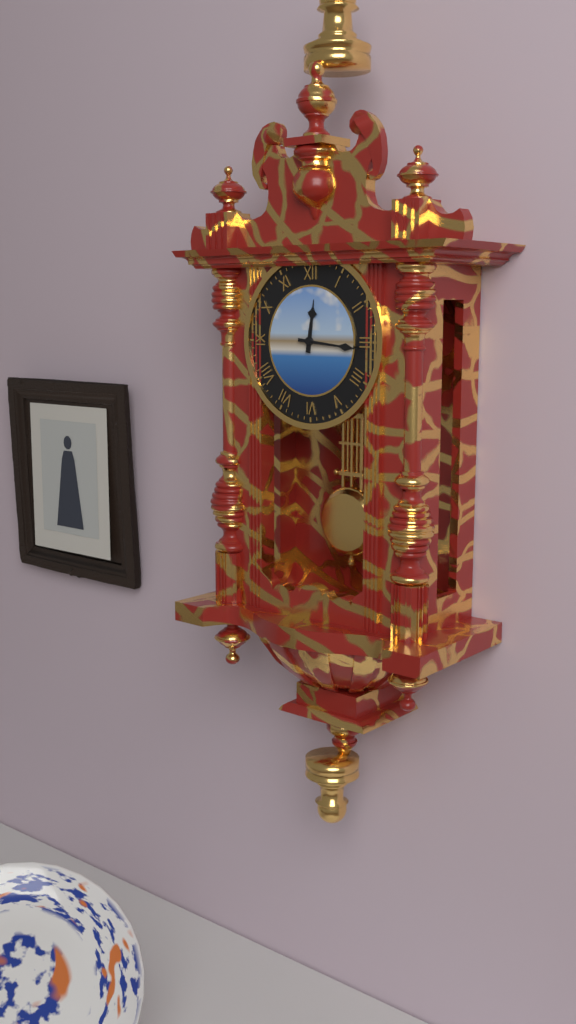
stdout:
h=12 m=16
